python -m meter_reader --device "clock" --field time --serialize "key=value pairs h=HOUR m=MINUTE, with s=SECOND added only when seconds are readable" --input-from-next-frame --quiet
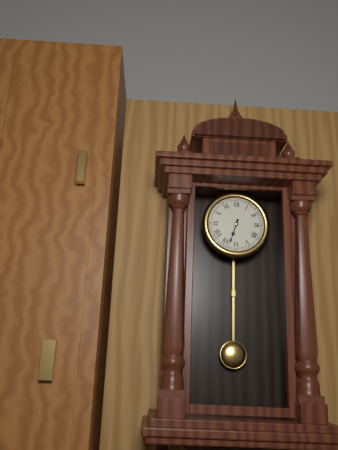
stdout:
h=6 m=33
